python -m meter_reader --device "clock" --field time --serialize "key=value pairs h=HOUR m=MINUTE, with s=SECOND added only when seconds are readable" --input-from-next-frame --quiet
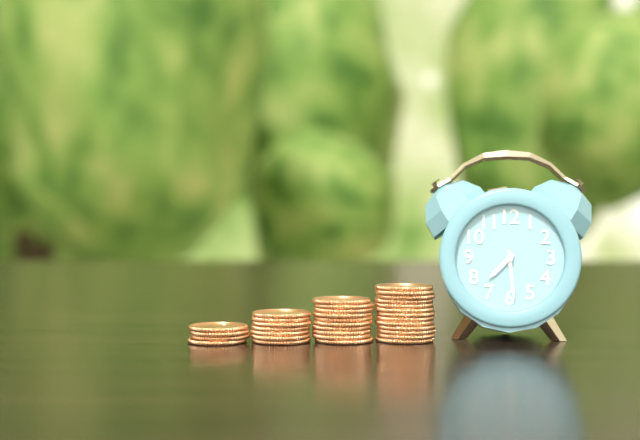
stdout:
h=7 m=29
